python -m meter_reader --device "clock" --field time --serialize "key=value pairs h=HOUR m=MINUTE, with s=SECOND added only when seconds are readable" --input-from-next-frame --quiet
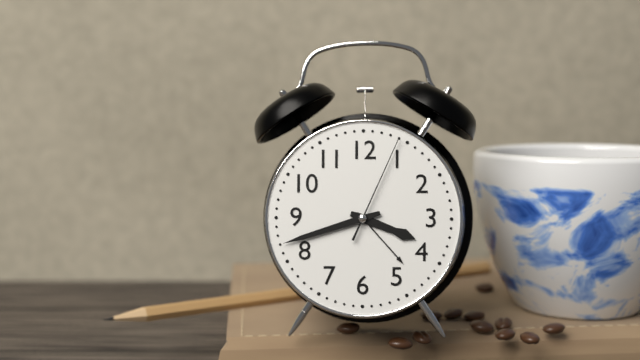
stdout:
h=3 m=42 s=4
